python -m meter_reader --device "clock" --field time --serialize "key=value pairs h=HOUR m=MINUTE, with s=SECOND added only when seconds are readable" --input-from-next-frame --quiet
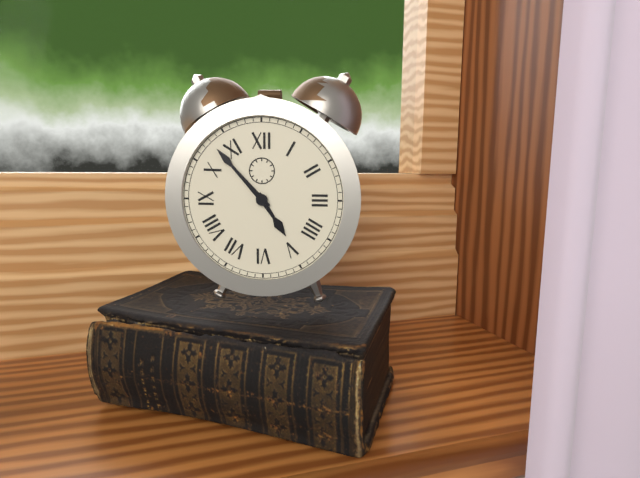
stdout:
h=4 m=53
